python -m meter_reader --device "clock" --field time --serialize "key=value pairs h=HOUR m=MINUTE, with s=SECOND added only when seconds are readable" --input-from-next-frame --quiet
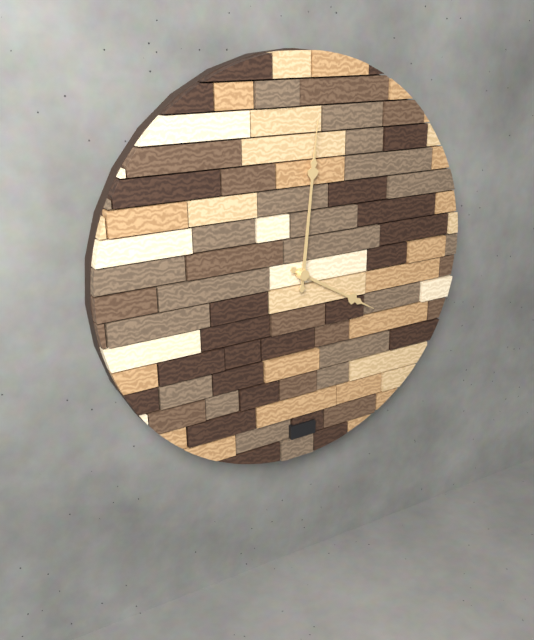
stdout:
h=4 m=1
